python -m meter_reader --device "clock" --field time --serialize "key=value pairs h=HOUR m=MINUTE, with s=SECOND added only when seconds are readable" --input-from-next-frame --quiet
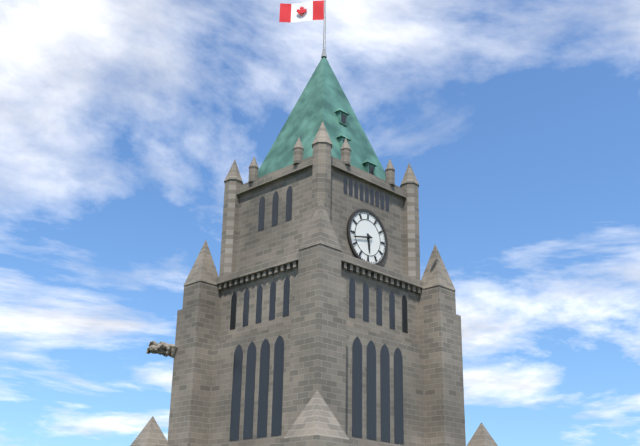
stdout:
h=5 m=43
